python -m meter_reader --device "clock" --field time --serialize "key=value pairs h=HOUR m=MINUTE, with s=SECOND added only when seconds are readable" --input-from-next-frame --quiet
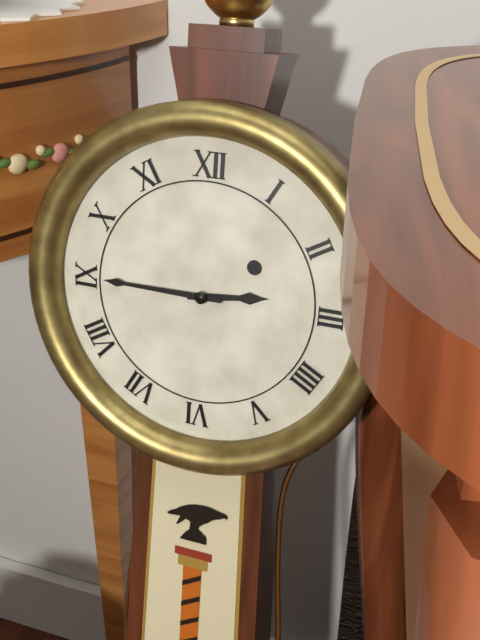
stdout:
h=2 m=45
